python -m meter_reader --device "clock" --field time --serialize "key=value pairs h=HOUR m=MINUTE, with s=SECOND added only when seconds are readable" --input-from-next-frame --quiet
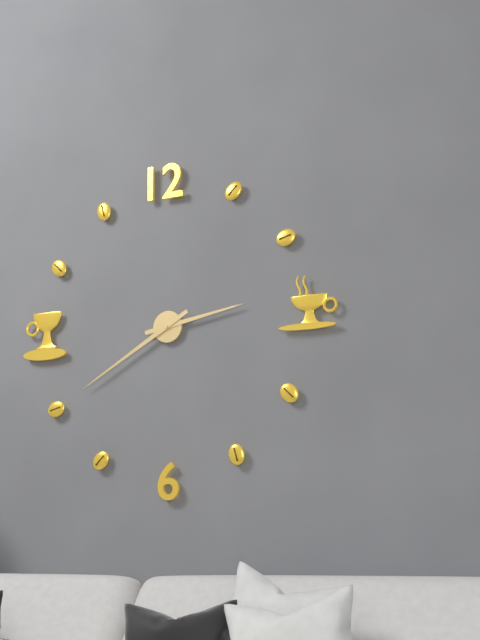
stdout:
h=2 m=40
